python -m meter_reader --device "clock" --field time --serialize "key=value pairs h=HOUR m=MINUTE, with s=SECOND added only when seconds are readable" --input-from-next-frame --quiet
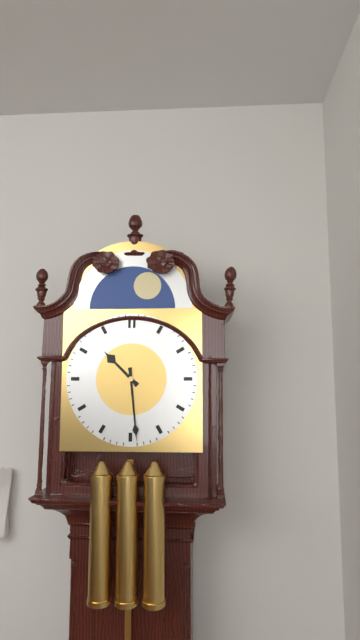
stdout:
h=10 m=29
